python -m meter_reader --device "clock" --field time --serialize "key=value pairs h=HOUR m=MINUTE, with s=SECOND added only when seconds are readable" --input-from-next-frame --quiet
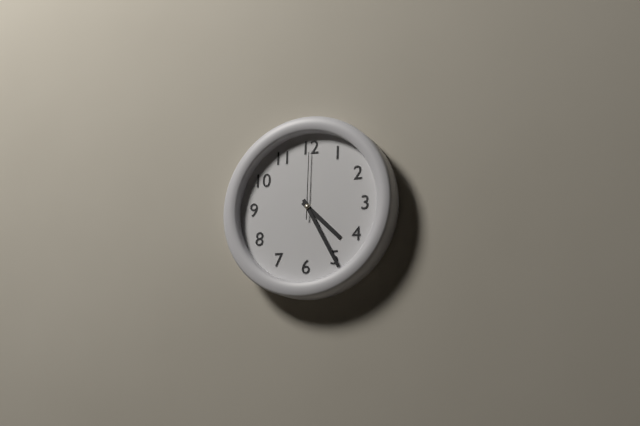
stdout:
h=4 m=25 s=0
